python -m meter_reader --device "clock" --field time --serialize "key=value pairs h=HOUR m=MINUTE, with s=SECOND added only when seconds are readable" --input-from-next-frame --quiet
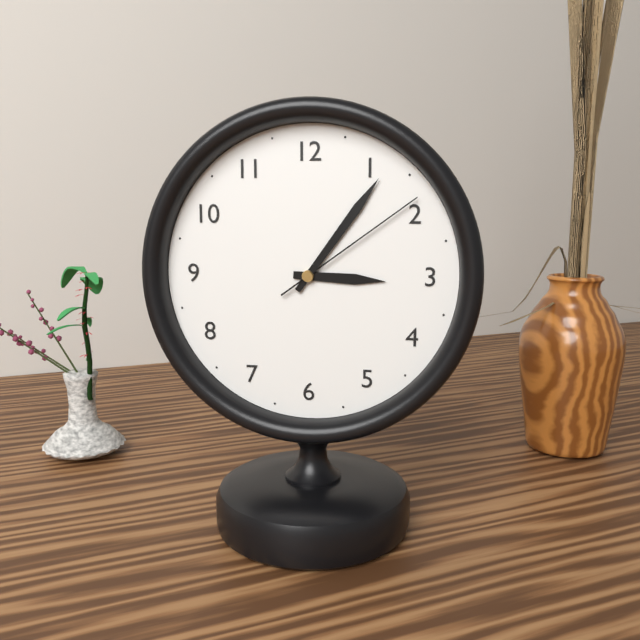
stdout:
h=3 m=6 s=9
